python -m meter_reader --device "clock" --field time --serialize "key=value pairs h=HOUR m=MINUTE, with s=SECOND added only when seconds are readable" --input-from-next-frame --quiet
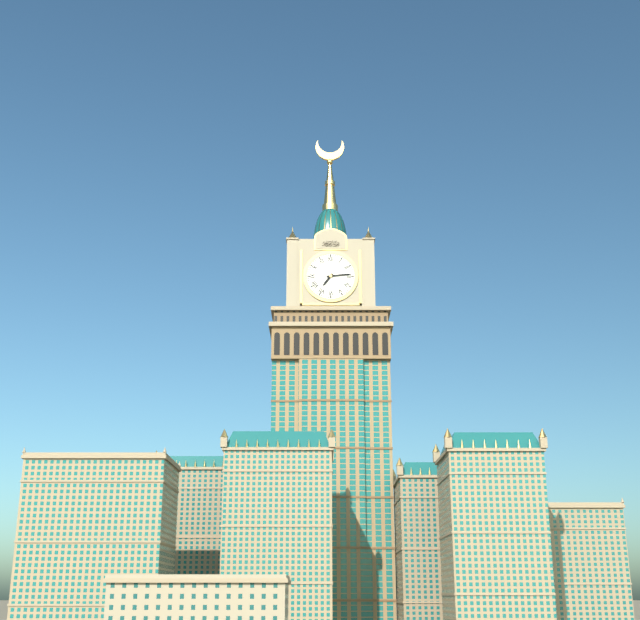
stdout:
h=7 m=14
